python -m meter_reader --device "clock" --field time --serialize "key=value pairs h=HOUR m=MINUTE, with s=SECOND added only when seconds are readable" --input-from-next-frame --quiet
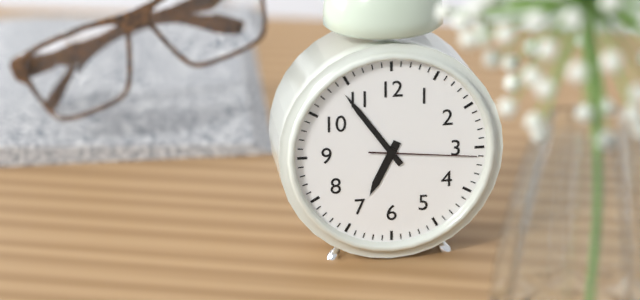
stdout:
h=6 m=54 s=16
